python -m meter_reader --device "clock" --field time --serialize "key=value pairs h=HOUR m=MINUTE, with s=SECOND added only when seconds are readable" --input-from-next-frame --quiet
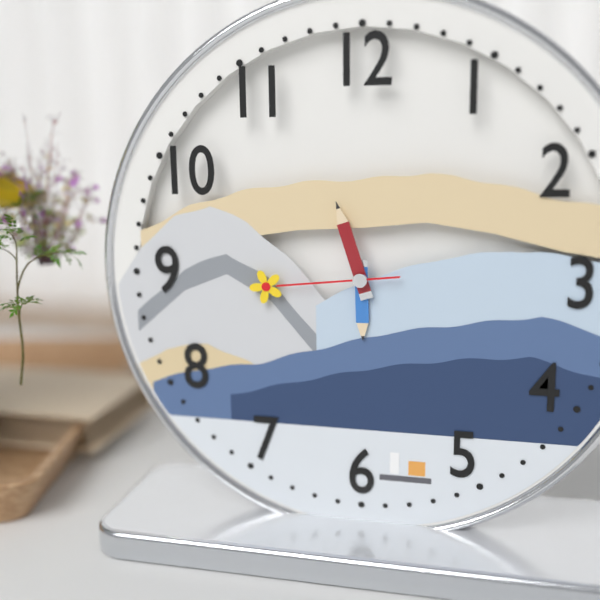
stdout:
h=5 m=57 s=44
